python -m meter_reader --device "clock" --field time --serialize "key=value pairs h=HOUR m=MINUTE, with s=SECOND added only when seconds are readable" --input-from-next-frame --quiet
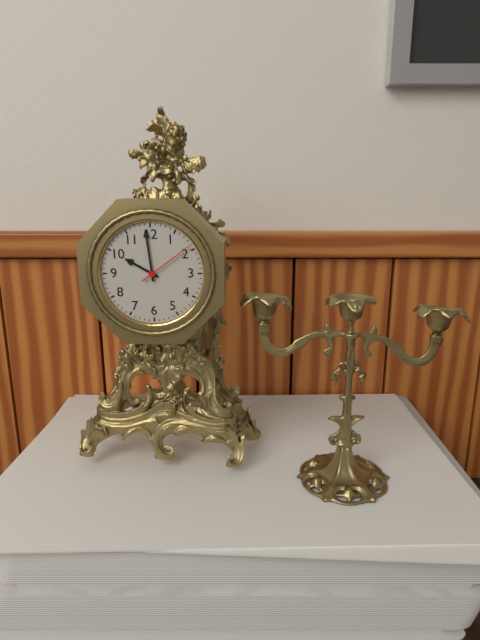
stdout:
h=9 m=59 s=9
